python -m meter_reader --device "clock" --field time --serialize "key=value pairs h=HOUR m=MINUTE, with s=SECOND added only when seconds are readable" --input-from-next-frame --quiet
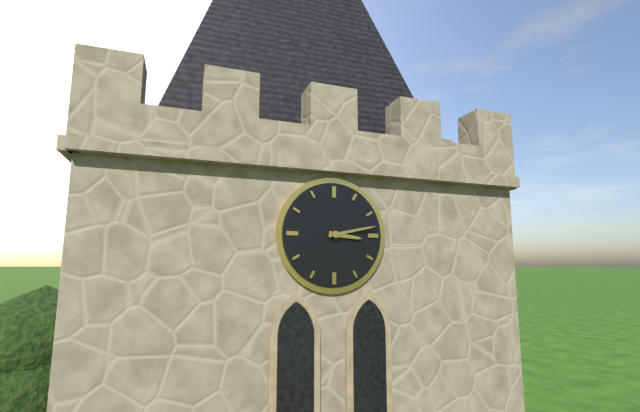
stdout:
h=3 m=13
